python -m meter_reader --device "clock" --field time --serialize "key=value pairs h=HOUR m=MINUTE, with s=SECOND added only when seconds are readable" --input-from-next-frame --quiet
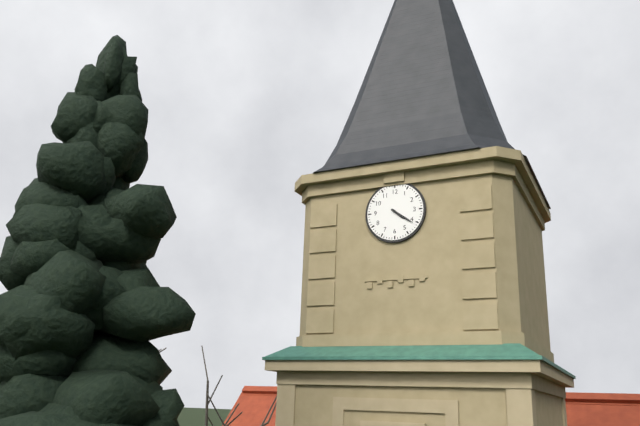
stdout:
h=4 m=21
